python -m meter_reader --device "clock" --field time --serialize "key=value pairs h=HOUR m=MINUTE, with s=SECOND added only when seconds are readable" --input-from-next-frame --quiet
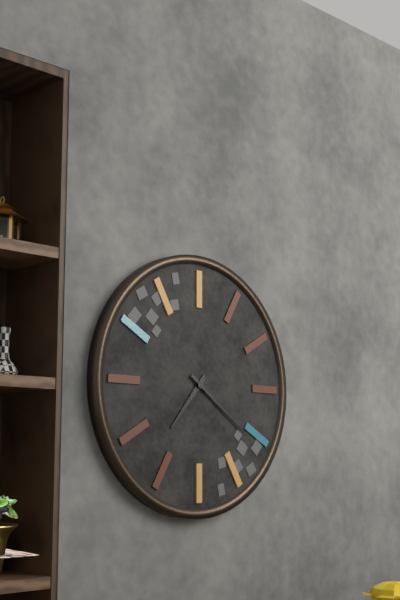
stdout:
h=7 m=21
